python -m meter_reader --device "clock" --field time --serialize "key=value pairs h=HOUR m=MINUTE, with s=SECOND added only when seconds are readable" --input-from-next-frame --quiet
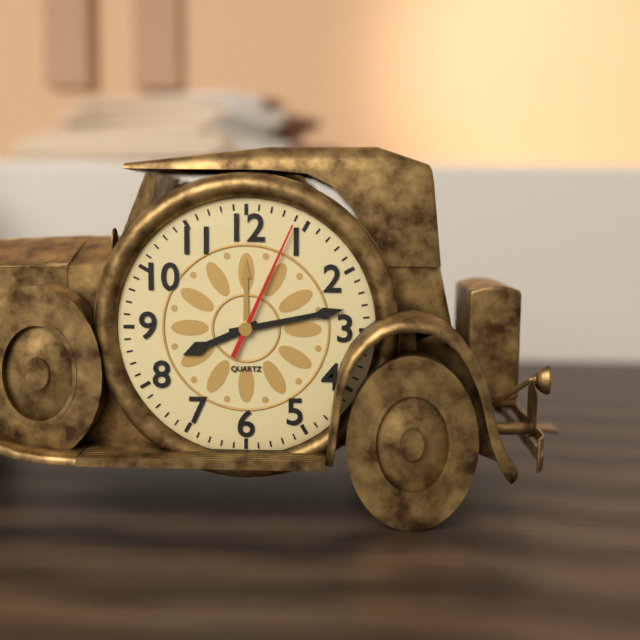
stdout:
h=8 m=13 s=4
